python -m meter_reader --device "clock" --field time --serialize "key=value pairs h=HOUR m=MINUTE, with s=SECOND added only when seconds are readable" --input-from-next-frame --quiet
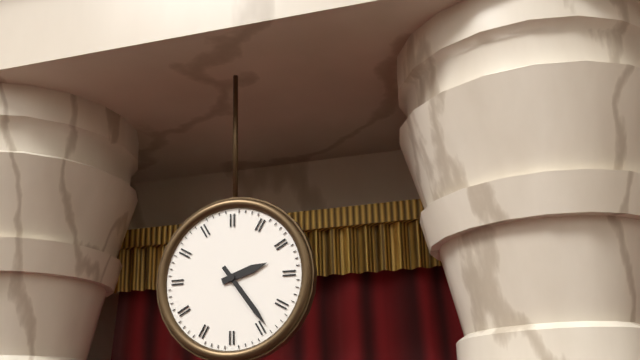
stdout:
h=2 m=24
